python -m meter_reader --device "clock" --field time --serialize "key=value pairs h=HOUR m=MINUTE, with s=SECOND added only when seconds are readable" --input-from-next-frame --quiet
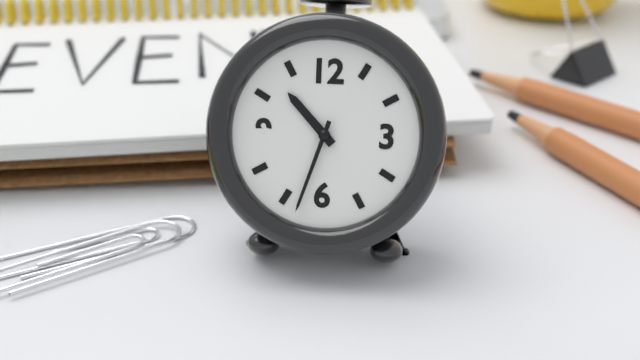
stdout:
h=10 m=33
